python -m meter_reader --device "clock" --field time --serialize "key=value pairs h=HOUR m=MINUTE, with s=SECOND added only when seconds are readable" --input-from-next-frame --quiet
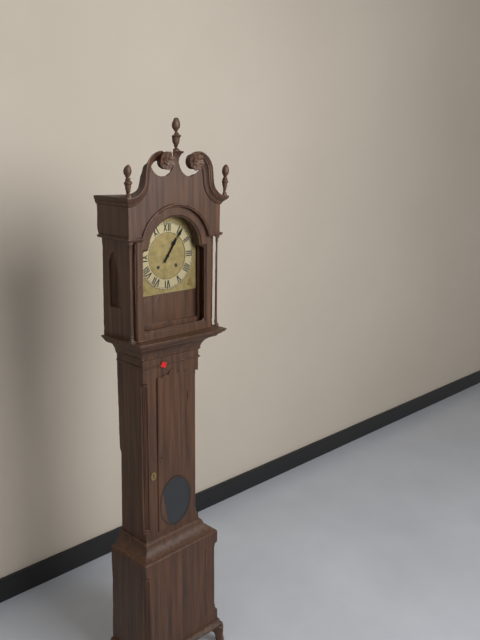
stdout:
h=1 m=6
